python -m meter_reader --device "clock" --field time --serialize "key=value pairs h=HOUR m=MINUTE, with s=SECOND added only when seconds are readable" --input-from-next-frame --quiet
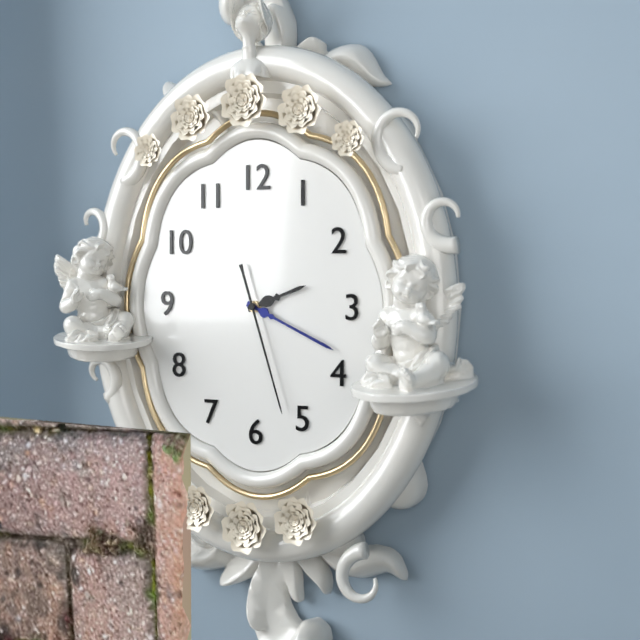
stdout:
h=2 m=19 s=27
